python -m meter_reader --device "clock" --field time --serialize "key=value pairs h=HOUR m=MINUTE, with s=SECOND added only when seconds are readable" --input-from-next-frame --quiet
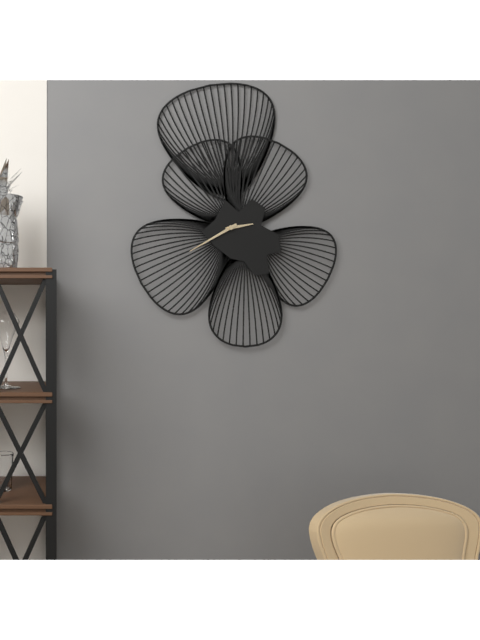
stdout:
h=2 m=40
